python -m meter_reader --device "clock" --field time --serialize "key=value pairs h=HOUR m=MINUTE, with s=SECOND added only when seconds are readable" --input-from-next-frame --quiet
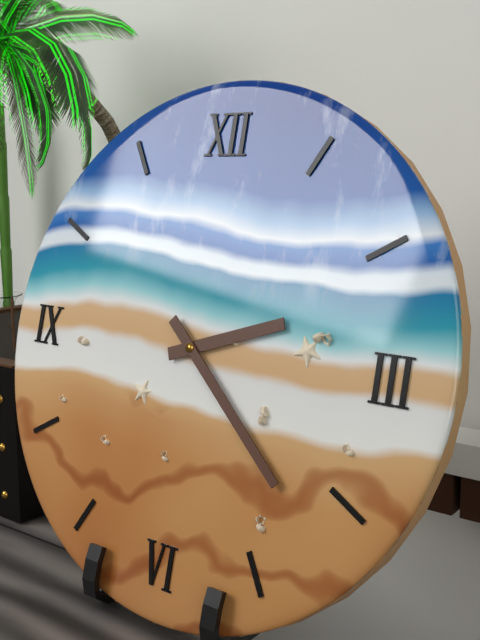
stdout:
h=2 m=22
